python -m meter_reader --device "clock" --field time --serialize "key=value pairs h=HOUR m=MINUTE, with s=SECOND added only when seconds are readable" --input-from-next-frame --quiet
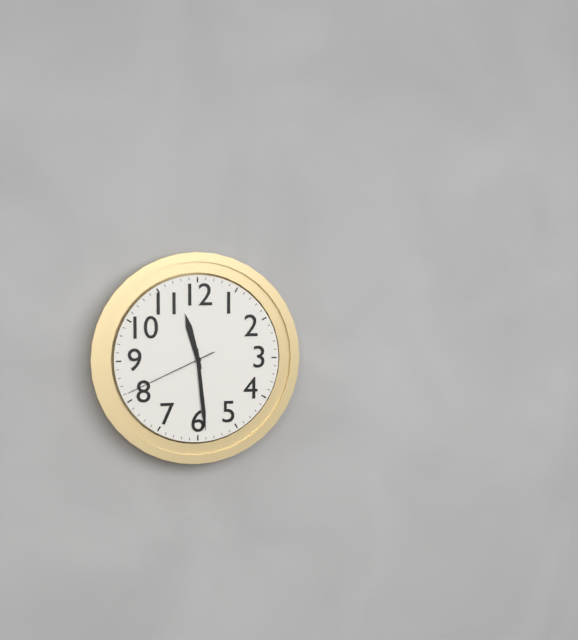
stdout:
h=11 m=29 s=41
